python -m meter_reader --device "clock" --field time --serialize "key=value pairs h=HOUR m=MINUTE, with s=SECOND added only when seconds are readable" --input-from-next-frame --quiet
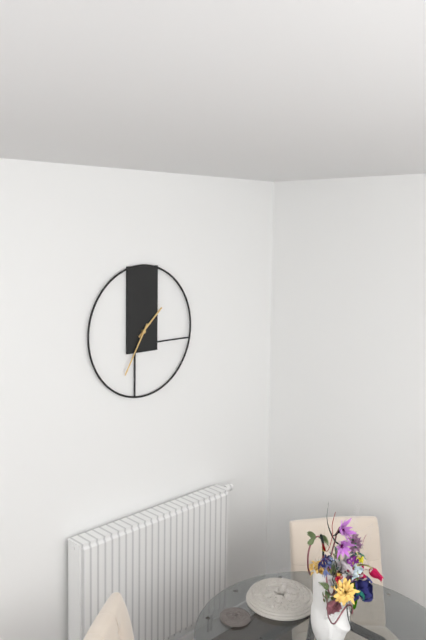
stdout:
h=1 m=35
